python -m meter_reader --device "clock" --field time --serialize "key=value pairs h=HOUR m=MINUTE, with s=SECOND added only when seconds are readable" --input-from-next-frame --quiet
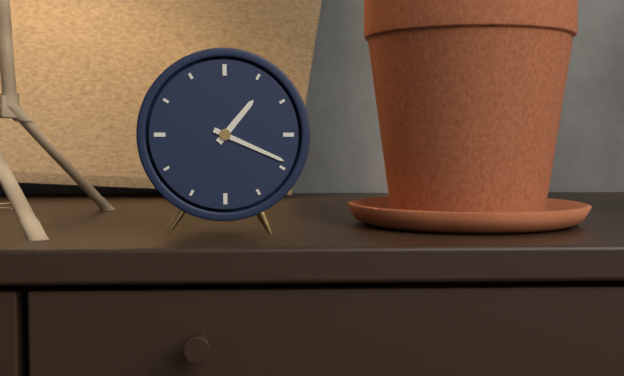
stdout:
h=1 m=19
